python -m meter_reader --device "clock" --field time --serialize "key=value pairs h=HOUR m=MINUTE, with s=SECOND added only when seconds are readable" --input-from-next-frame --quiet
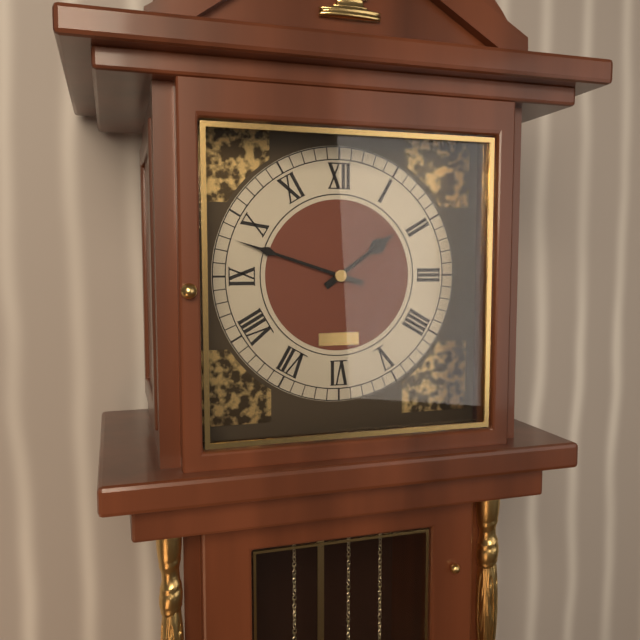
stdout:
h=1 m=48
